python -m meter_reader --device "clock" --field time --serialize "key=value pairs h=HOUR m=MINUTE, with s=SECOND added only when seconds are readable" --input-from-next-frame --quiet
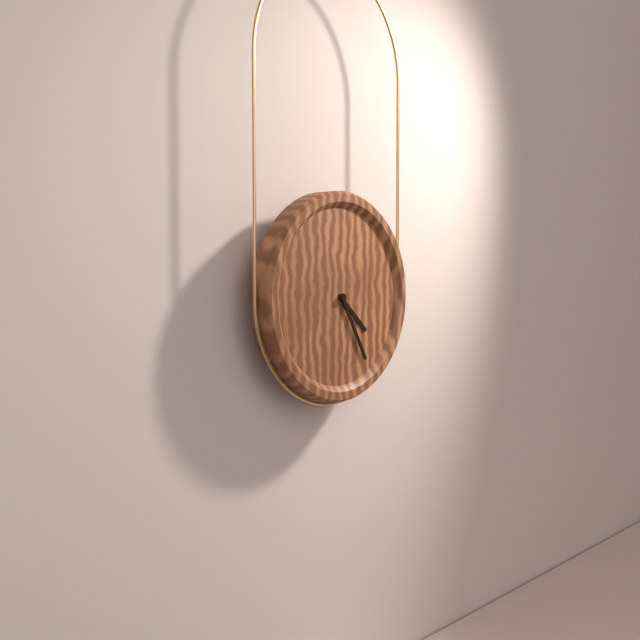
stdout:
h=4 m=25
